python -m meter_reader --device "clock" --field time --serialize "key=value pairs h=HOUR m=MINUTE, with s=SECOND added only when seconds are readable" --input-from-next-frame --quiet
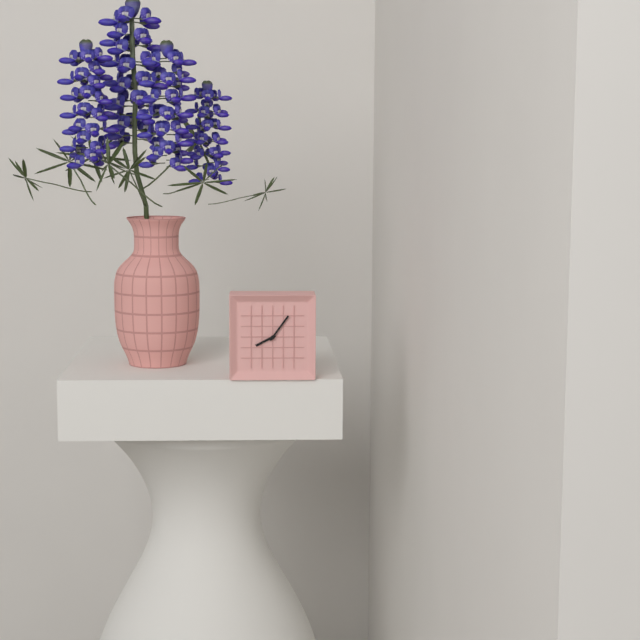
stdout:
h=8 m=6
